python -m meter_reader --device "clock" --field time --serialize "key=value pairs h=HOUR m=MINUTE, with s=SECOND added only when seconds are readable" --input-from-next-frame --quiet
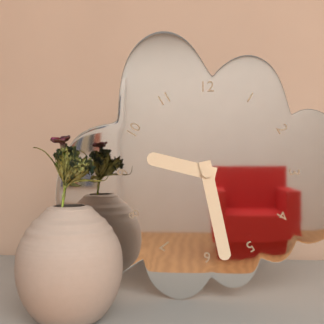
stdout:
h=9 m=28
